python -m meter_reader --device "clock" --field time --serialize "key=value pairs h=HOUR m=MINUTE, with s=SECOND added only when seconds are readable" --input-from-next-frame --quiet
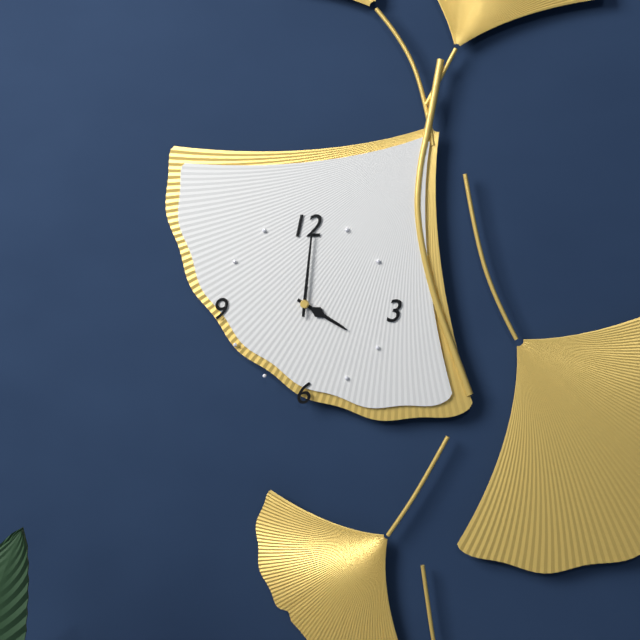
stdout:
h=4 m=1
